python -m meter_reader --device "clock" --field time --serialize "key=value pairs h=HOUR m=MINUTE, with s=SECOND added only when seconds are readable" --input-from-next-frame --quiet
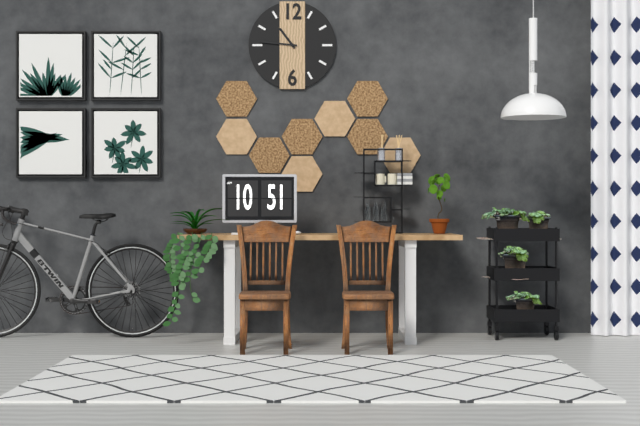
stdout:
h=10 m=46
